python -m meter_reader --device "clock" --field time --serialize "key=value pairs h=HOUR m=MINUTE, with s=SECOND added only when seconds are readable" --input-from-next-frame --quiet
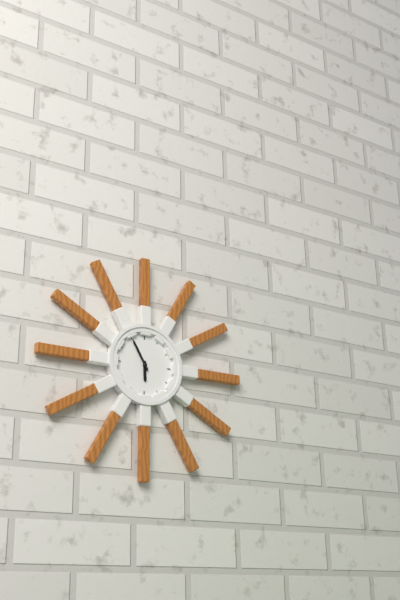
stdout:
h=5 m=55
